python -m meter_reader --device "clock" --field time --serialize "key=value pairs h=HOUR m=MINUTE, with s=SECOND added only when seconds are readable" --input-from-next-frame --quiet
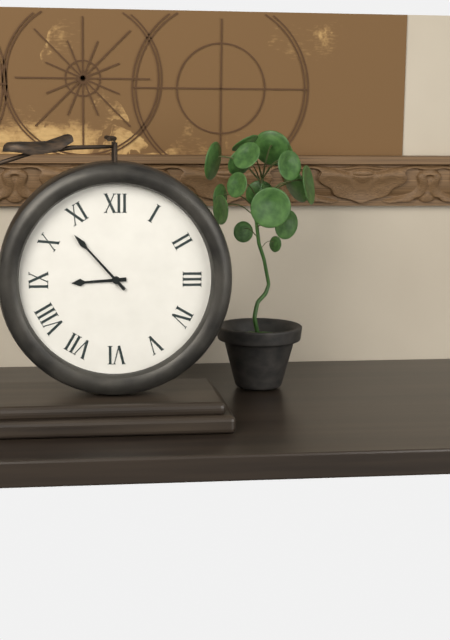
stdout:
h=8 m=53
